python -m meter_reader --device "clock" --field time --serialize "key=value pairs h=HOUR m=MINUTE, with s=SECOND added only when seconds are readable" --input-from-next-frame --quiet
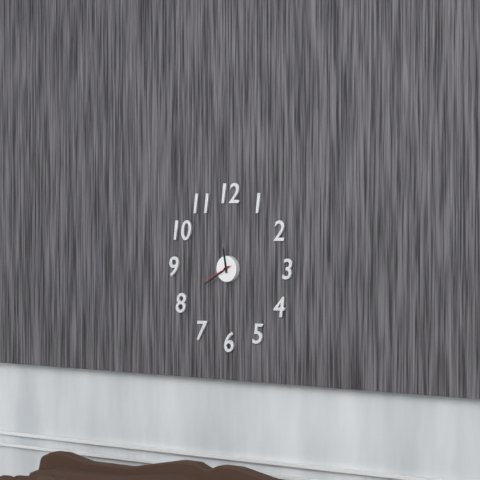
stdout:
h=11 m=40
